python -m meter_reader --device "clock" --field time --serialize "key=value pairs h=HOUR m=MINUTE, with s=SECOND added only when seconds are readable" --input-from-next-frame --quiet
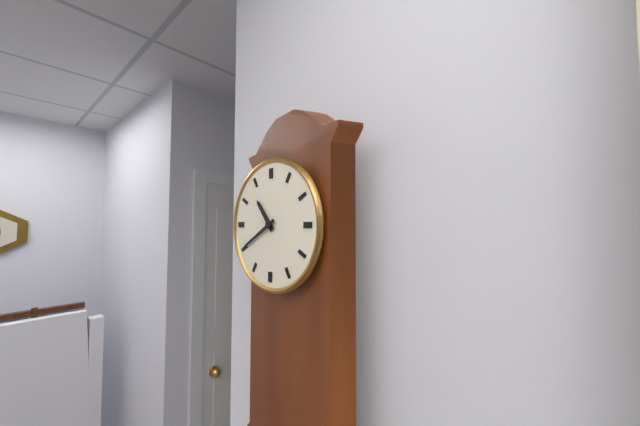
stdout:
h=10 m=40
